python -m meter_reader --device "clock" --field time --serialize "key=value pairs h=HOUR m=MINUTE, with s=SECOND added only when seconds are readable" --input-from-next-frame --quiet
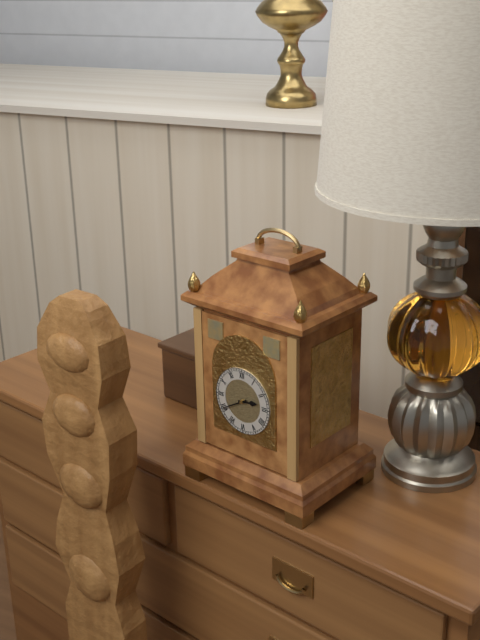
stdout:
h=2 m=40
